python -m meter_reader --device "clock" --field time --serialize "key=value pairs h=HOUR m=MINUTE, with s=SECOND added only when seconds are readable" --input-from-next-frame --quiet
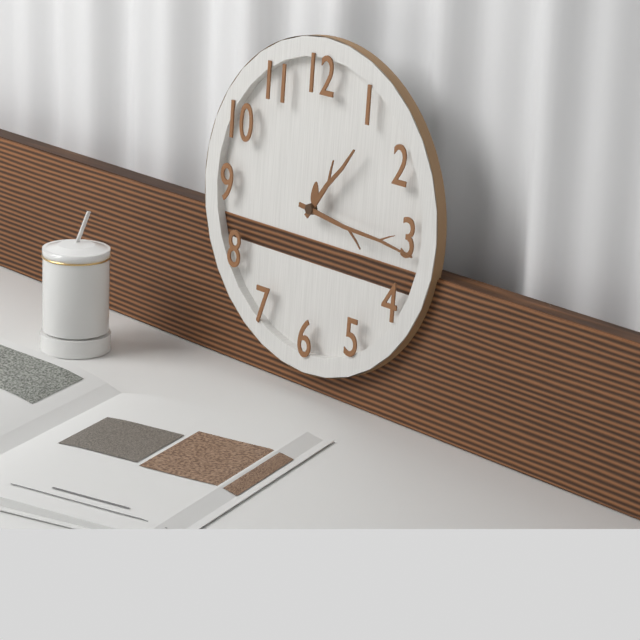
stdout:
h=1 m=16
